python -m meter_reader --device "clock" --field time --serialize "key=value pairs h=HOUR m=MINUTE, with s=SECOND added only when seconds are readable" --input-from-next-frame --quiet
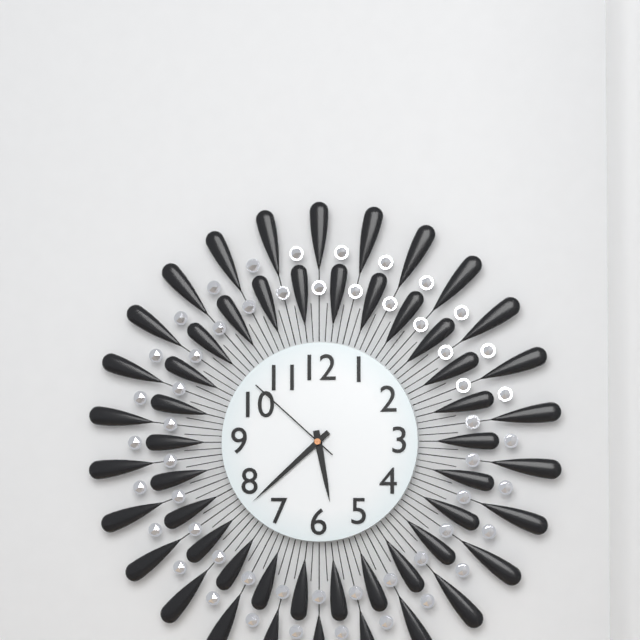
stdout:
h=5 m=38 s=52
